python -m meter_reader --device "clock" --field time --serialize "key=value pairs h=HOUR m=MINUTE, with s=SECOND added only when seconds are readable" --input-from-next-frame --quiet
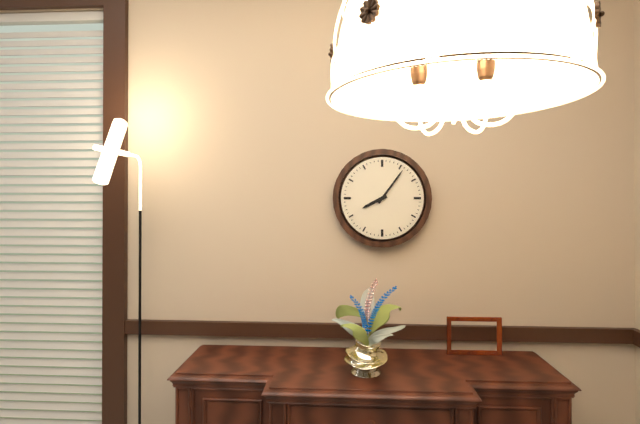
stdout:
h=8 m=6
